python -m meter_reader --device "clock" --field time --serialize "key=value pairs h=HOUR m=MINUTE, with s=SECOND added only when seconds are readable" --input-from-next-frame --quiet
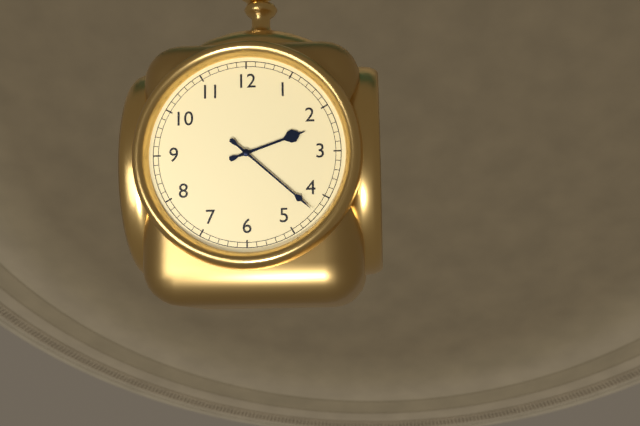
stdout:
h=2 m=22
